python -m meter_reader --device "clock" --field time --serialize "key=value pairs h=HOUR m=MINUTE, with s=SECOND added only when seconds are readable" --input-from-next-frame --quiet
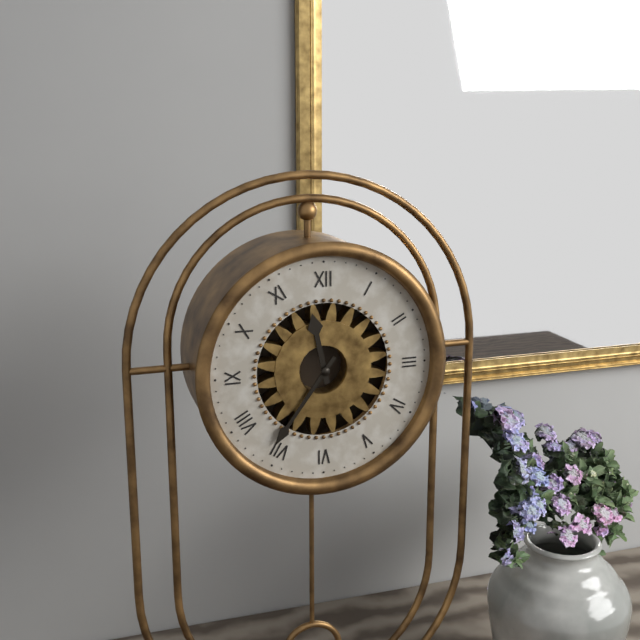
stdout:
h=11 m=36
